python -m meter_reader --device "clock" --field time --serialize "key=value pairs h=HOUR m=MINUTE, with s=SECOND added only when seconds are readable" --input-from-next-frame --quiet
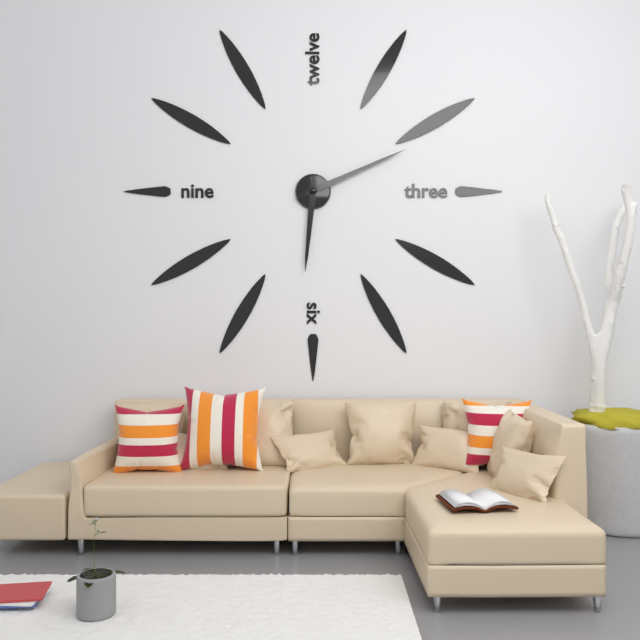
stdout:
h=6 m=11
